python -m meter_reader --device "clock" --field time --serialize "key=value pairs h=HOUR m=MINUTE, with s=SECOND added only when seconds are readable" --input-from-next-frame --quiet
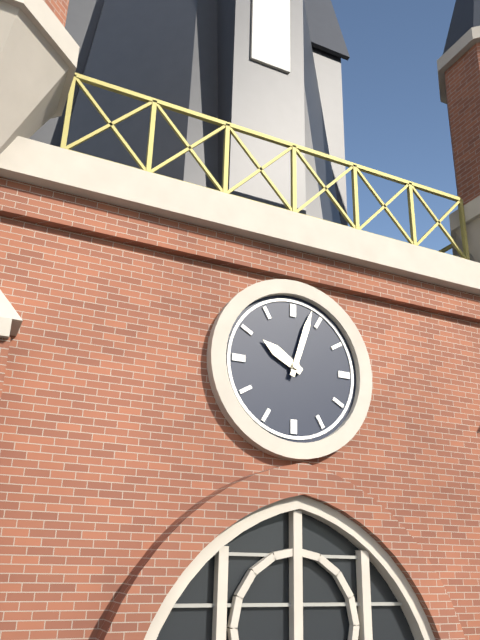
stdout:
h=10 m=3
